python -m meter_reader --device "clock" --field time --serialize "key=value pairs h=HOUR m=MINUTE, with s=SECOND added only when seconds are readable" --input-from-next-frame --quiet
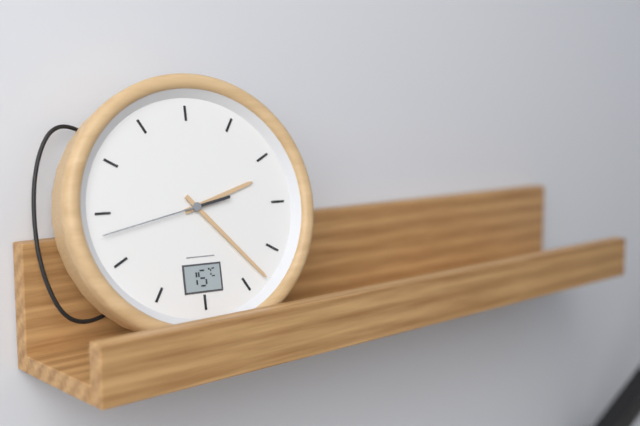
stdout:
h=2 m=23 s=43
